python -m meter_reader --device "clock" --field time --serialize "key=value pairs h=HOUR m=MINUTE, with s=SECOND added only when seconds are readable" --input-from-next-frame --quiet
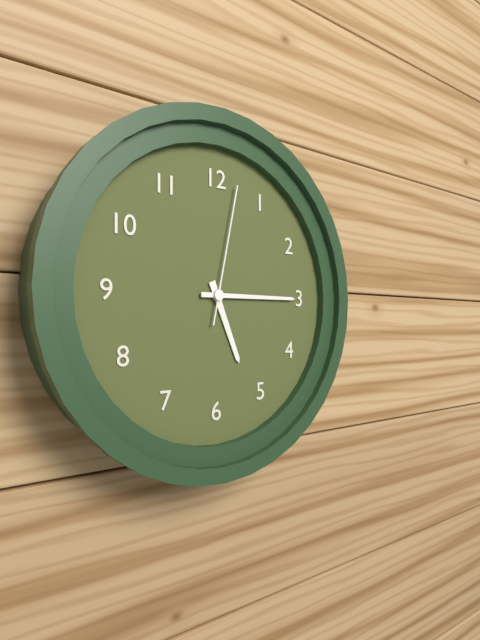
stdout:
h=5 m=15 s=2
